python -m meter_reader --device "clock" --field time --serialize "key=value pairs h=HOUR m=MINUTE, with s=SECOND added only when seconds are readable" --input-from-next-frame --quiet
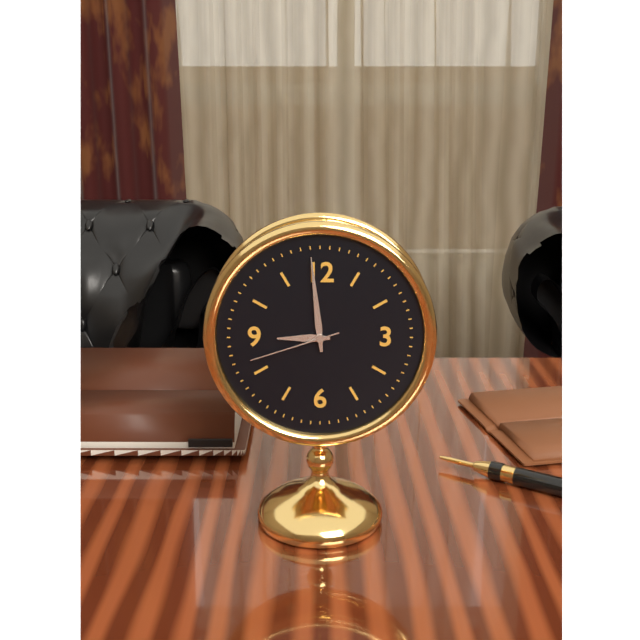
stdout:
h=8 m=59 s=42
